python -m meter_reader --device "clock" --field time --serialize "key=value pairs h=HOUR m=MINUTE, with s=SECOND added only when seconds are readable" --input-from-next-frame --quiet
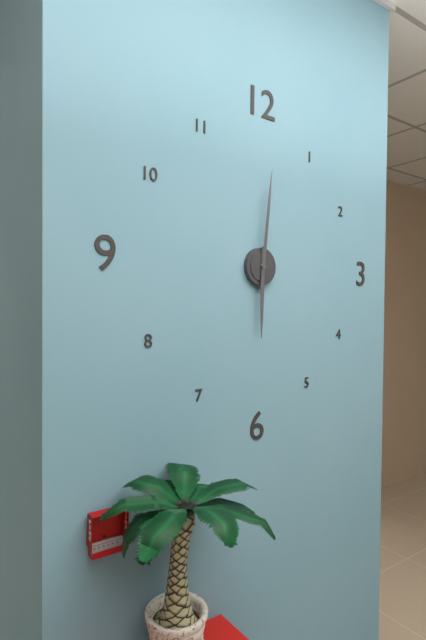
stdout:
h=6 m=1
